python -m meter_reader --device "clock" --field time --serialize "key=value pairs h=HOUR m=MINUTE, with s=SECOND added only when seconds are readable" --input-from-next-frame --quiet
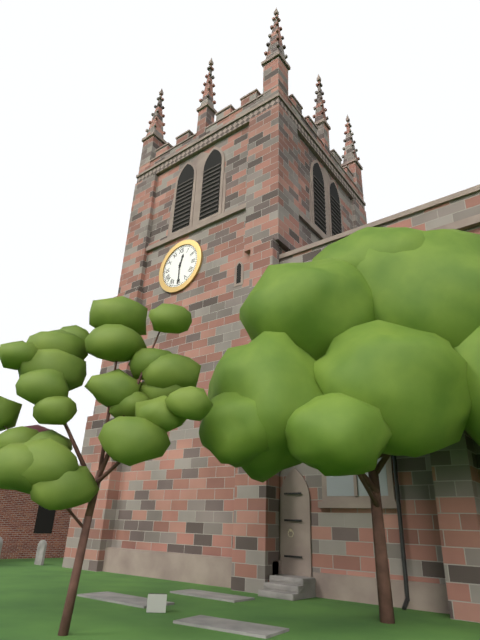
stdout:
h=12 m=30
